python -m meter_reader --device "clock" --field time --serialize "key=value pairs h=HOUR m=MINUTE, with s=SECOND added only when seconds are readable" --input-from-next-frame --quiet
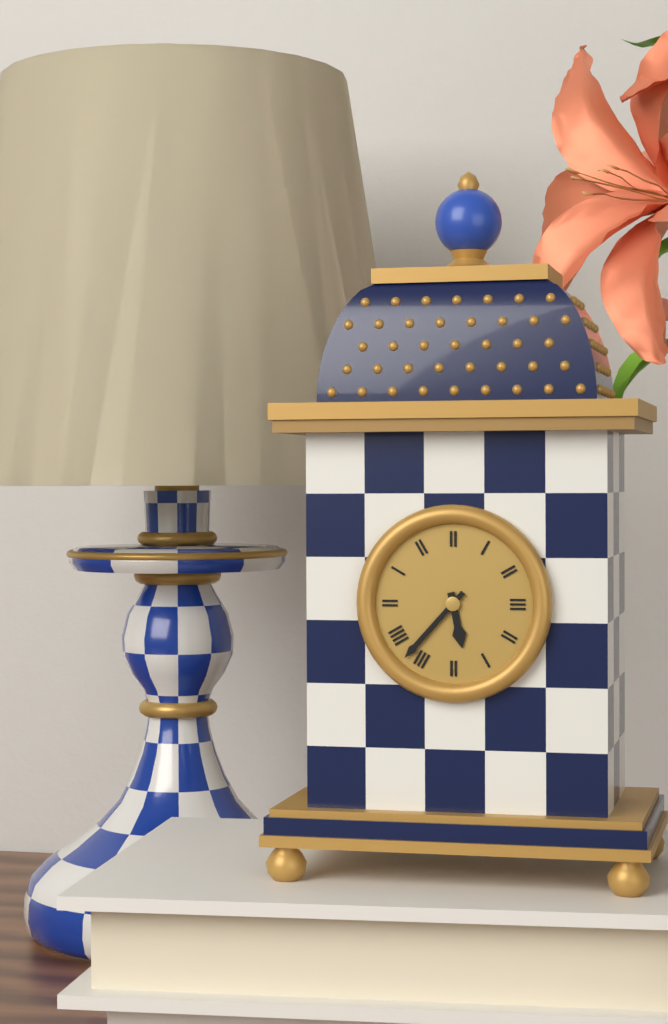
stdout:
h=5 m=37
